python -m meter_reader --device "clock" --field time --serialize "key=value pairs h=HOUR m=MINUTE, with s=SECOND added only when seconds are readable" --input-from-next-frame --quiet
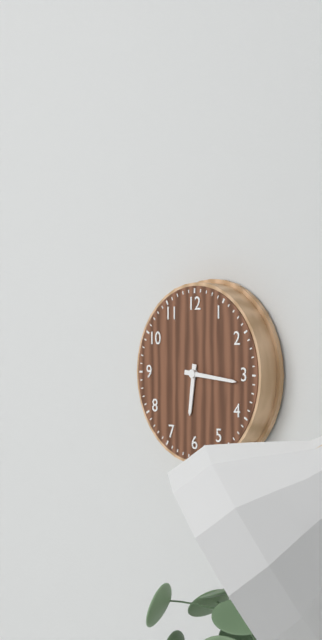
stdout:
h=6 m=16
